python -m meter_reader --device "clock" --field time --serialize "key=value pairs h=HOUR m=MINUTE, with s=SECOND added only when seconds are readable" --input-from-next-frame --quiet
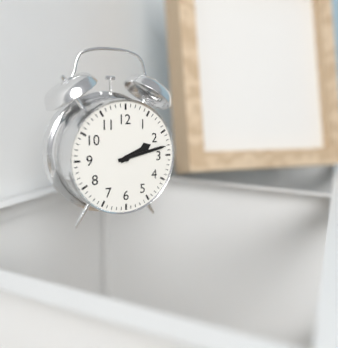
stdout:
h=2 m=13
